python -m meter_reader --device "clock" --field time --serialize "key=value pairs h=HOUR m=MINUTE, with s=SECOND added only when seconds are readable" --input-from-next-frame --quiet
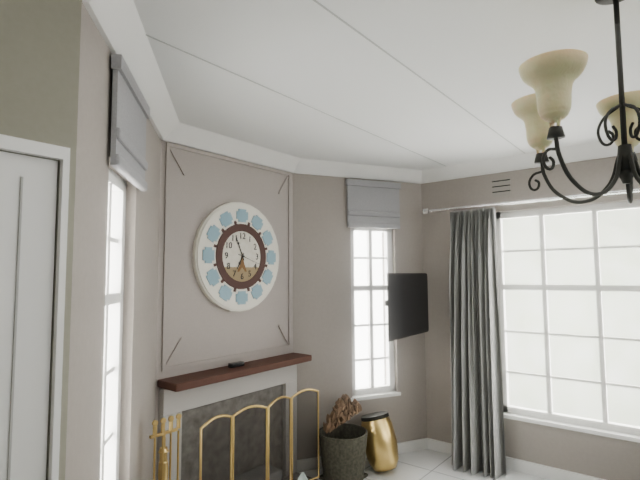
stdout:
h=6 m=56
